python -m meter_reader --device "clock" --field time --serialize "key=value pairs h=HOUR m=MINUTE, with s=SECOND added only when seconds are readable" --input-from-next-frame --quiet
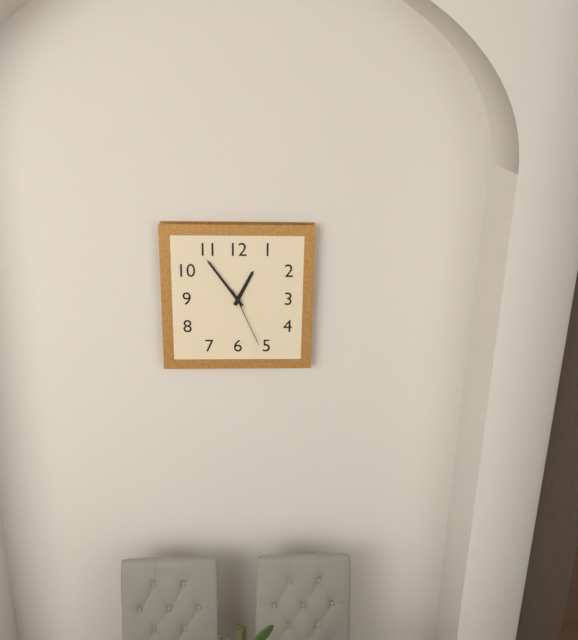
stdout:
h=12 m=54 s=26
